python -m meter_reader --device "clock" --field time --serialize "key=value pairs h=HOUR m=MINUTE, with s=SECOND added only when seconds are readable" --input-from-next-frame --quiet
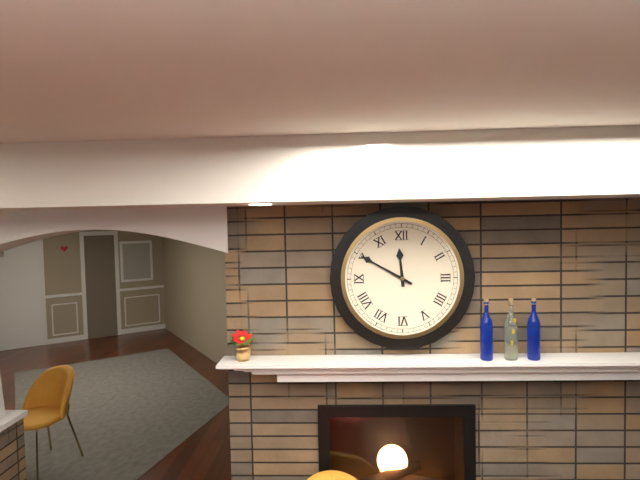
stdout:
h=11 m=50
